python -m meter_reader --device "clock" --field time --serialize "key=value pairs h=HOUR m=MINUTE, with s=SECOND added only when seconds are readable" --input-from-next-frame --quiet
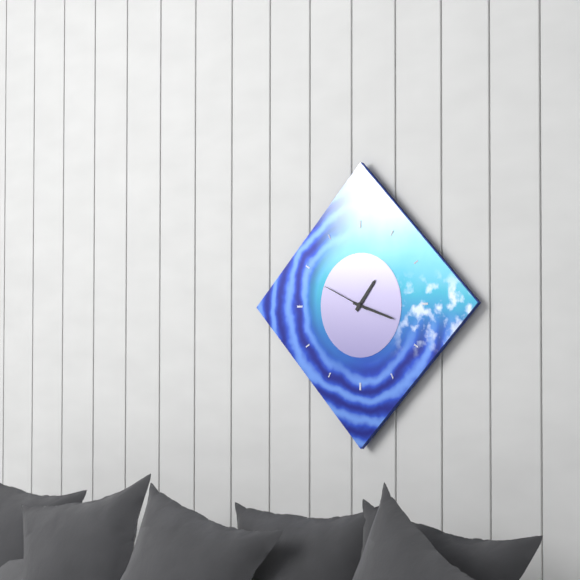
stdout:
h=1 m=18 s=49
